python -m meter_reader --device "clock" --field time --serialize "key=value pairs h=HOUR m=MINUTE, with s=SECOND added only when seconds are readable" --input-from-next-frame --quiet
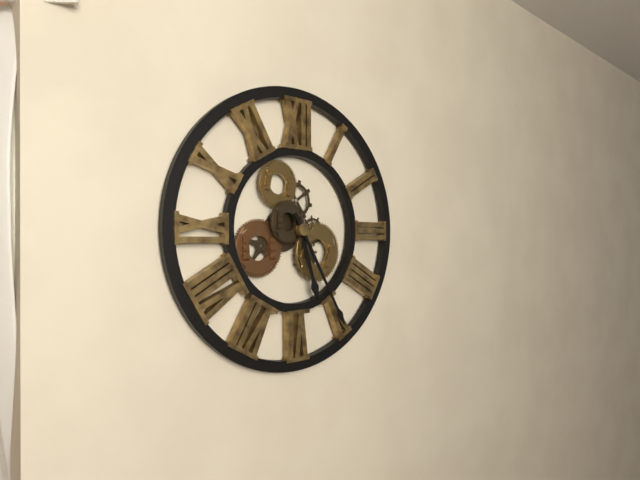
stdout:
h=5 m=25
